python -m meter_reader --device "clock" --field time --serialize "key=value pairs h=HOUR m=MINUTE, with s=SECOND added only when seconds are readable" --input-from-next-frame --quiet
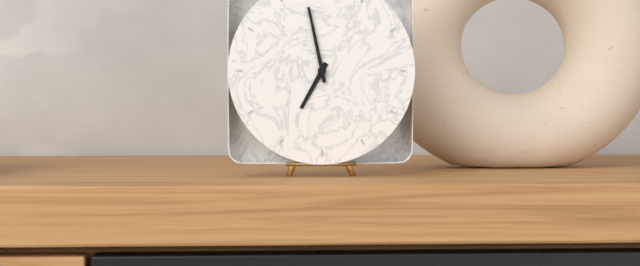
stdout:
h=6 m=58
